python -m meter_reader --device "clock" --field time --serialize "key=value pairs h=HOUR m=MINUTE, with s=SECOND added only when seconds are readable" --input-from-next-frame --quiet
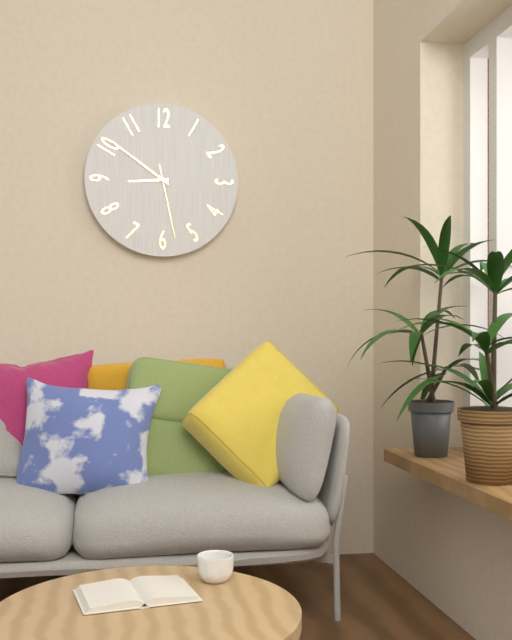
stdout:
h=8 m=51 s=28
